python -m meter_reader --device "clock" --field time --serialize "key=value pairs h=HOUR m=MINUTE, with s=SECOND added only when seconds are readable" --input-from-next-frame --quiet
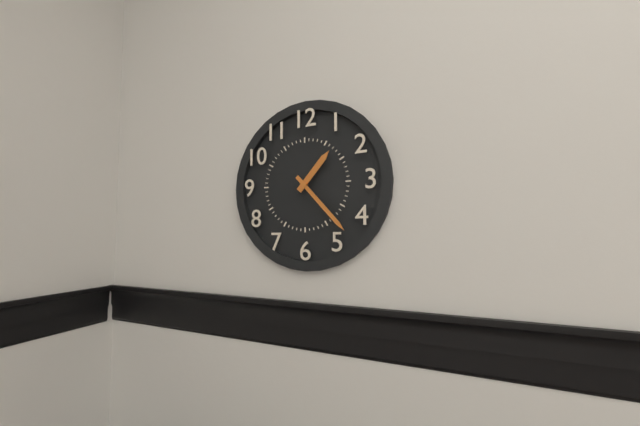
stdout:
h=1 m=23
